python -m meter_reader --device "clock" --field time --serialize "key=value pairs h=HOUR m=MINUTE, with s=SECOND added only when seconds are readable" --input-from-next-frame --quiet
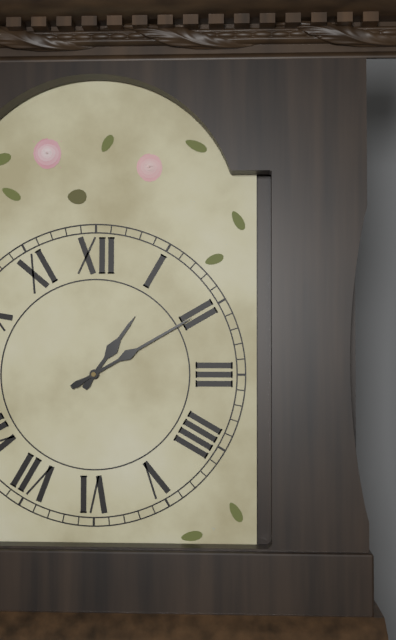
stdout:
h=1 m=10
